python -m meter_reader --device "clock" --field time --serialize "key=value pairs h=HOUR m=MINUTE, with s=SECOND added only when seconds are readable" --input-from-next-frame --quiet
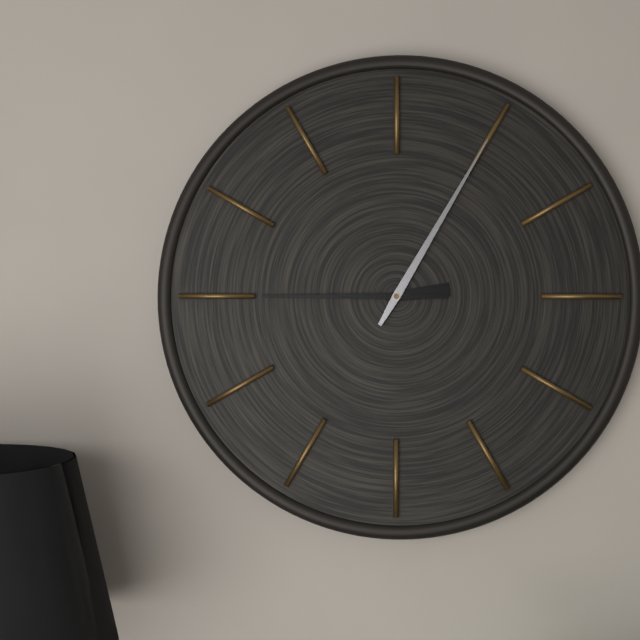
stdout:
h=2 m=45 s=5
